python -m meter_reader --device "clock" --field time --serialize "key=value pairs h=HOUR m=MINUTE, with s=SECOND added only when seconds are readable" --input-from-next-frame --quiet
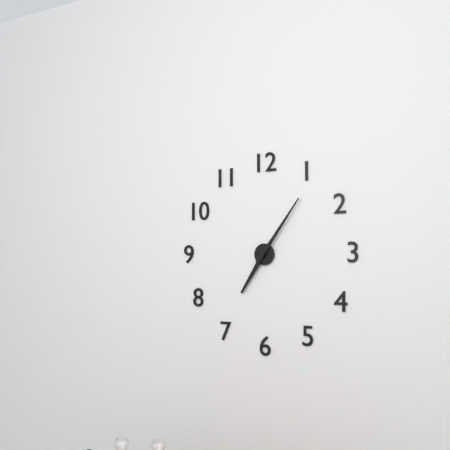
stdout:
h=7 m=6
